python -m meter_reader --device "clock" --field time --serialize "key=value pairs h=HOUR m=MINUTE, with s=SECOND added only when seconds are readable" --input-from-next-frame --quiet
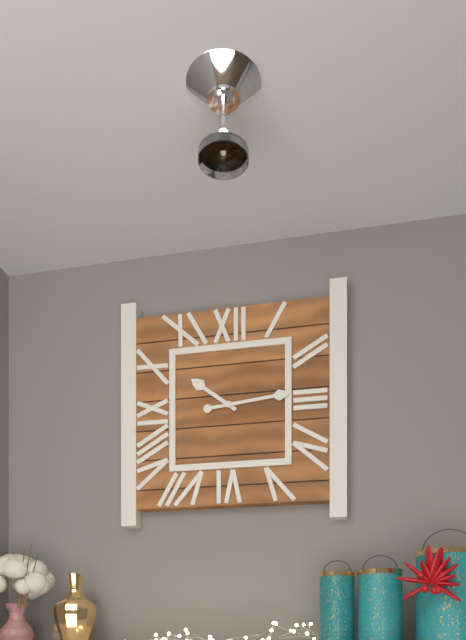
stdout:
h=10 m=14
